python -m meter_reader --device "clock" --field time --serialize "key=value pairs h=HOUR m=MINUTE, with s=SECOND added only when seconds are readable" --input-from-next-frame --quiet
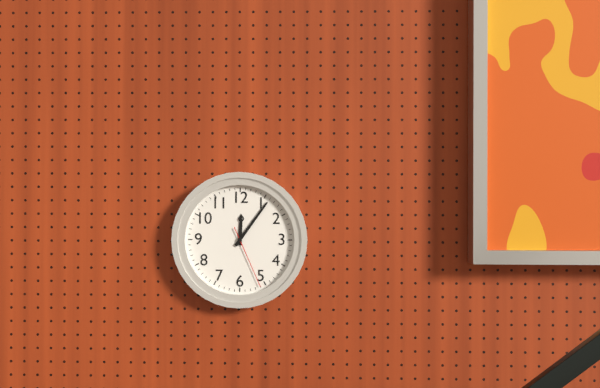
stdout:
h=12 m=6 s=26
